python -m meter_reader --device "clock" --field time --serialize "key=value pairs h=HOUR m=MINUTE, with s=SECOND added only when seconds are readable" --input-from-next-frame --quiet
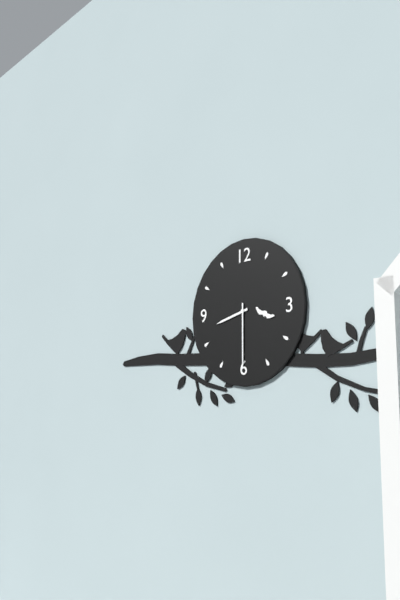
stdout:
h=8 m=30
